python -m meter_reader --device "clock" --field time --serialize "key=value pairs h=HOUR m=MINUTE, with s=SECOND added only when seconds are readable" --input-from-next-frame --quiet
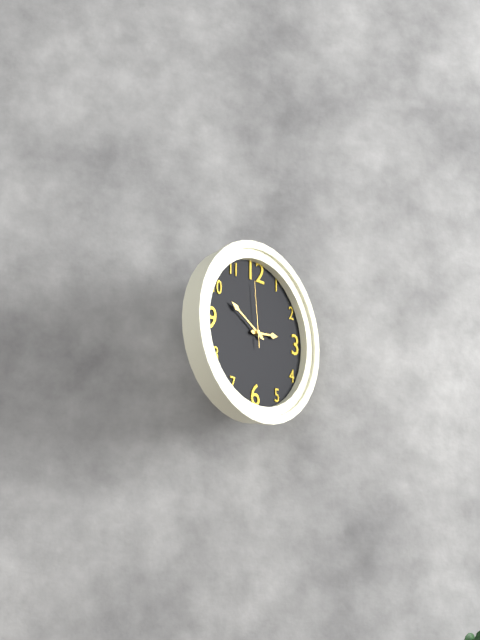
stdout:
h=2 m=50 s=59
